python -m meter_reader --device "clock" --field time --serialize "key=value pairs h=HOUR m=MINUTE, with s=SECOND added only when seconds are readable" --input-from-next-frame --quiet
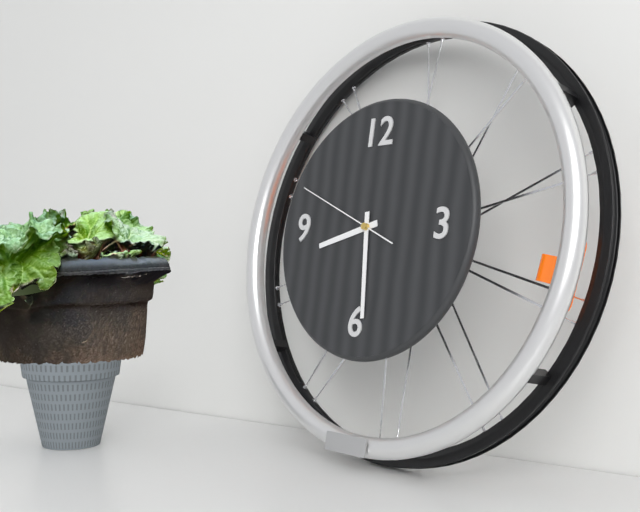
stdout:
h=8 m=29 s=49
